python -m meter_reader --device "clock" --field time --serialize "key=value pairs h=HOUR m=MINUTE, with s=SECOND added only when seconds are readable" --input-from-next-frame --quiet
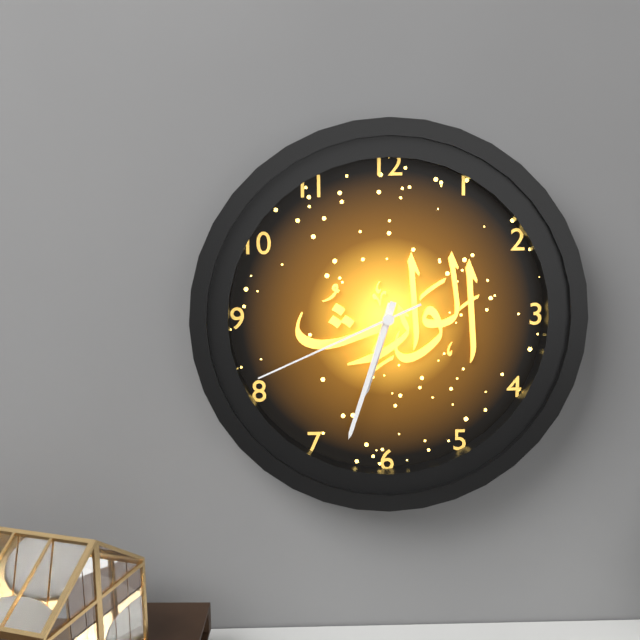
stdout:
h=6 m=33 s=41
